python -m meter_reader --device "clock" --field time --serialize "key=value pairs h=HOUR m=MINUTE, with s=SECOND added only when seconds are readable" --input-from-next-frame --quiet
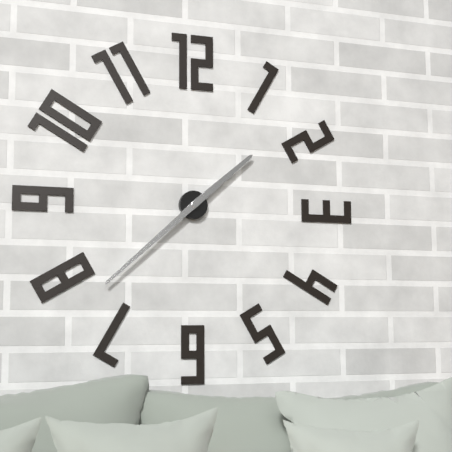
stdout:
h=1 m=38
